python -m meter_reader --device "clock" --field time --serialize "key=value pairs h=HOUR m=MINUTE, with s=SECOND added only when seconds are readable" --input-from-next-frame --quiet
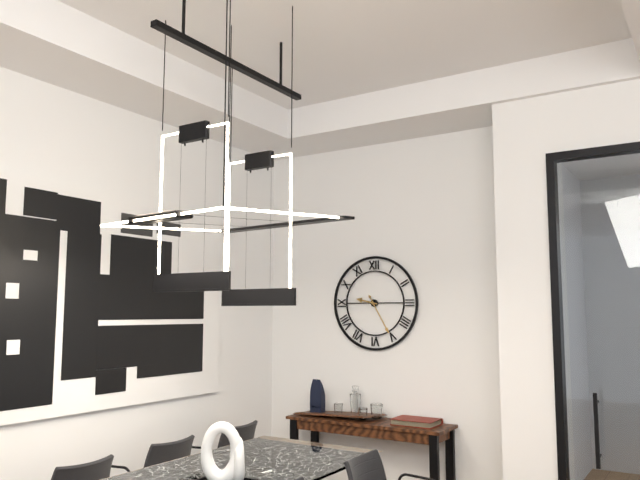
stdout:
h=9 m=25
